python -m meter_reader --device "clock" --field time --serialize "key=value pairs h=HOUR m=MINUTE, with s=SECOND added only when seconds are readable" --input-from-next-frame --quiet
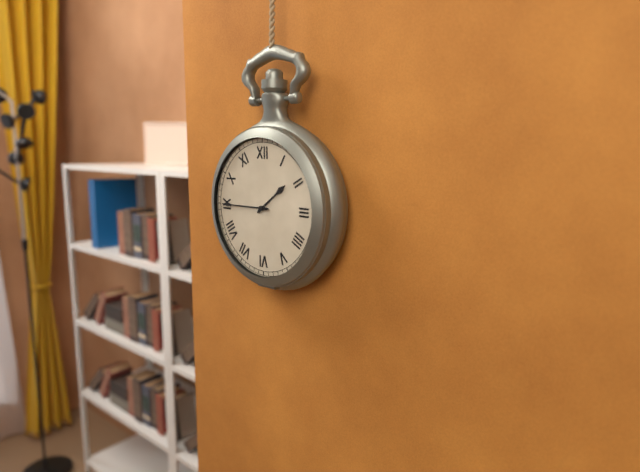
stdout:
h=1 m=45
